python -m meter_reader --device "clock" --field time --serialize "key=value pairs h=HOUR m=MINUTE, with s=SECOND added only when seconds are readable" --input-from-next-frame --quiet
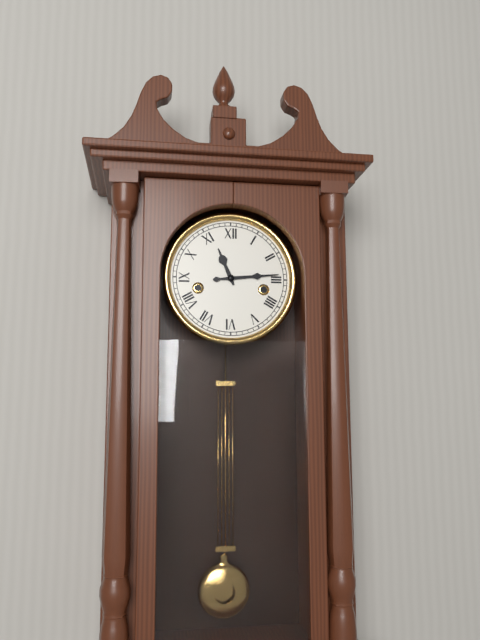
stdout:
h=11 m=14
